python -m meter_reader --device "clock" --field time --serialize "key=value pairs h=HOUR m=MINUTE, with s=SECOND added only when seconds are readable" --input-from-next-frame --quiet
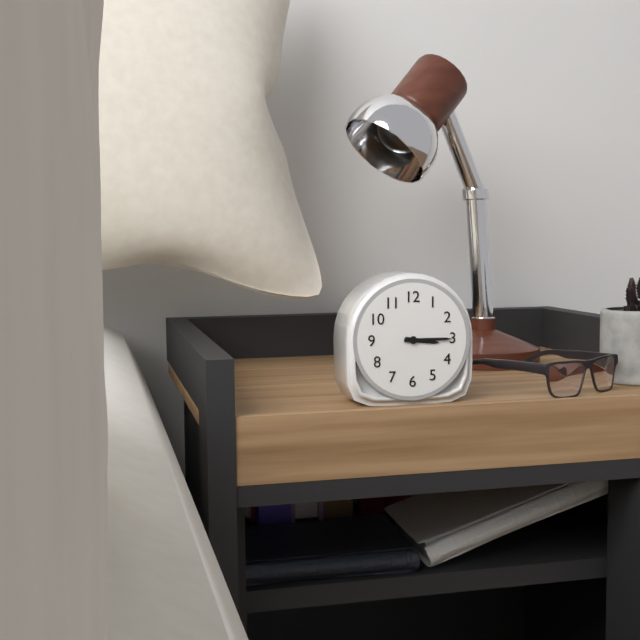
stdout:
h=3 m=15
